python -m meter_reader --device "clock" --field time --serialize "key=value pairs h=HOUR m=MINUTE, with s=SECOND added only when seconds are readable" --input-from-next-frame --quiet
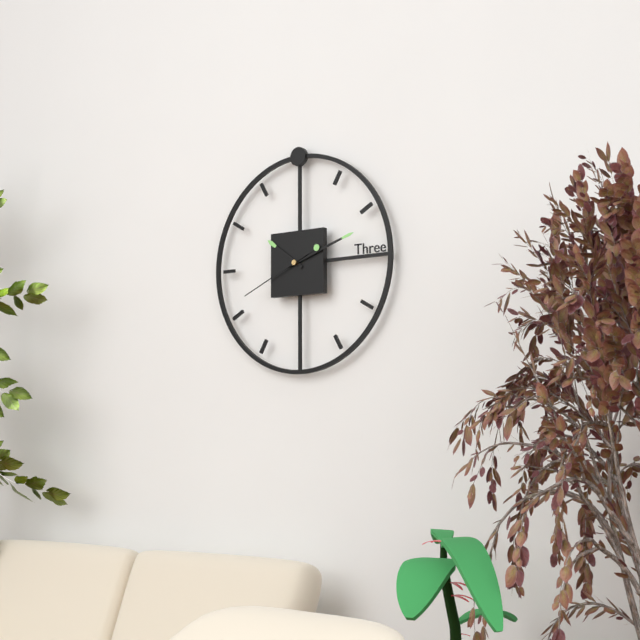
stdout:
h=10 m=12 s=41
